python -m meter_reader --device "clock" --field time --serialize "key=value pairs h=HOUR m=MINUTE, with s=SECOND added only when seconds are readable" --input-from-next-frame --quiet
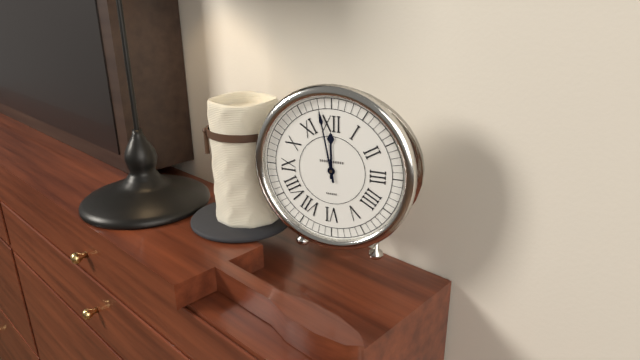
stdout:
h=11 m=58
